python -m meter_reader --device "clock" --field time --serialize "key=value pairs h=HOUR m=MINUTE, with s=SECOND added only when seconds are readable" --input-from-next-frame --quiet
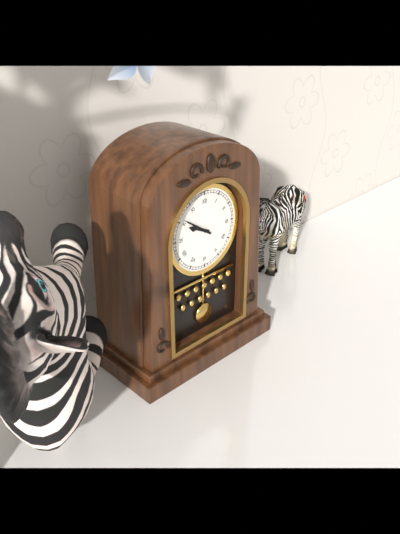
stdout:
h=9 m=51
